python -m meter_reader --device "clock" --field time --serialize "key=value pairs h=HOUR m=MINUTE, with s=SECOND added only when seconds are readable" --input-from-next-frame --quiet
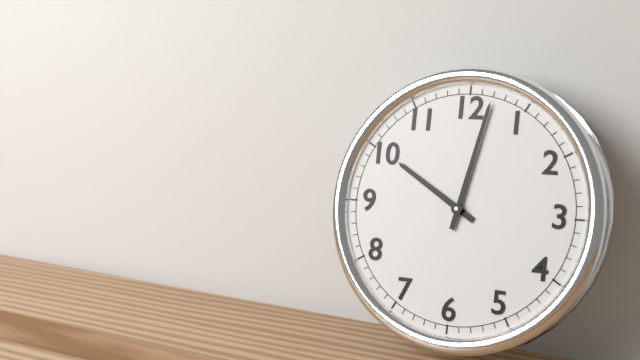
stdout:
h=10 m=2
